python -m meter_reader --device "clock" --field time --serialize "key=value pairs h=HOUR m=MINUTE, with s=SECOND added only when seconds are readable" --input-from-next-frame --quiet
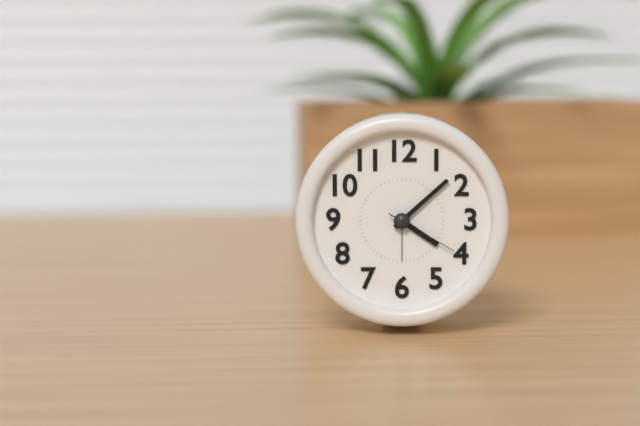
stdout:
h=4 m=8 s=20
